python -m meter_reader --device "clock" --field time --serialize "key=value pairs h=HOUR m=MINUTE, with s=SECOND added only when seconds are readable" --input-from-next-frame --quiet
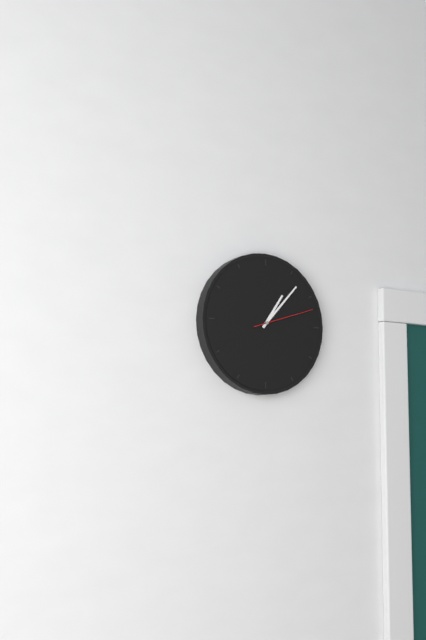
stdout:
h=1 m=7 s=12
